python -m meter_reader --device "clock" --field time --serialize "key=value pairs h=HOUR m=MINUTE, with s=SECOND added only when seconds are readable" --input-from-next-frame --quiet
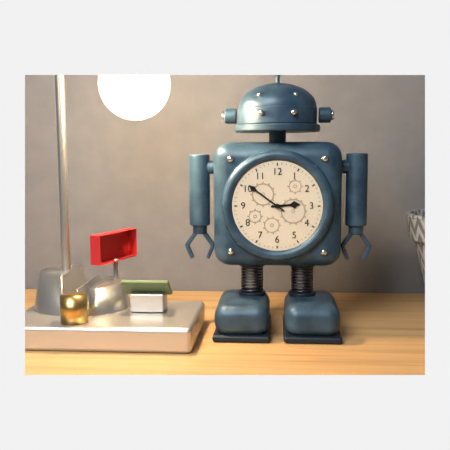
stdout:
h=2 m=51
